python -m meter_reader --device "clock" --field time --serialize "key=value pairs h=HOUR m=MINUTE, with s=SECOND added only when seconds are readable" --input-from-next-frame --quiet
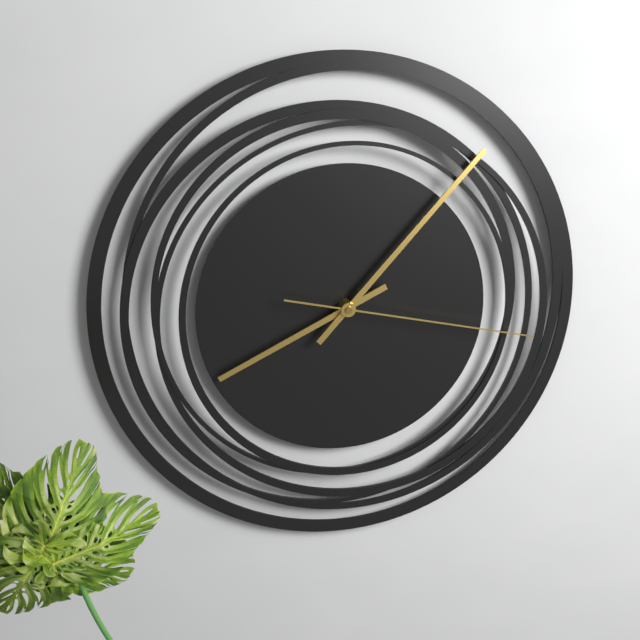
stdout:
h=8 m=7 s=17
